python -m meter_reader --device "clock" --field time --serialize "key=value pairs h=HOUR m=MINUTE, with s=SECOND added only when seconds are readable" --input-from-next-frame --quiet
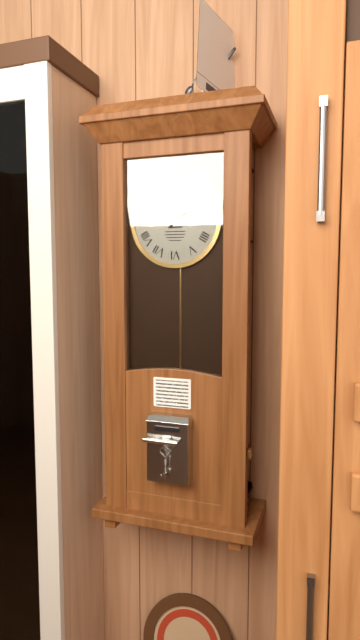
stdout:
h=2 m=5
